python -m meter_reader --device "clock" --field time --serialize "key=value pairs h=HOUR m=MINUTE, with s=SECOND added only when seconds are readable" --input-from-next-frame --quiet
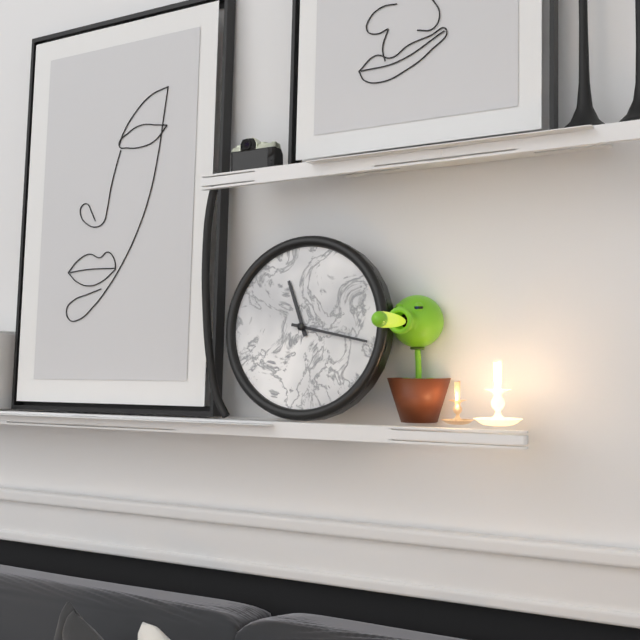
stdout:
h=11 m=17
